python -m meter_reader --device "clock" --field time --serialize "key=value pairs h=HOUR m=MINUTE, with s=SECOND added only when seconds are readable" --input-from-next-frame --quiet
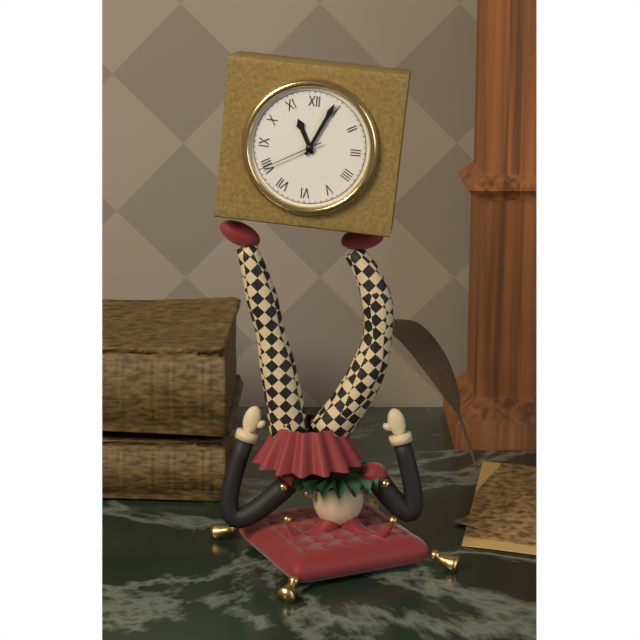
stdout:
h=11 m=4 s=40
